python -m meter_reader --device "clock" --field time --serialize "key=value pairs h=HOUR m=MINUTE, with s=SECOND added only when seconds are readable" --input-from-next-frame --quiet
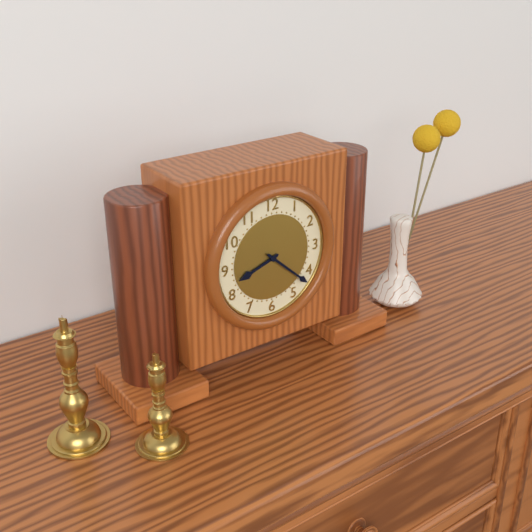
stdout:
h=8 m=22
